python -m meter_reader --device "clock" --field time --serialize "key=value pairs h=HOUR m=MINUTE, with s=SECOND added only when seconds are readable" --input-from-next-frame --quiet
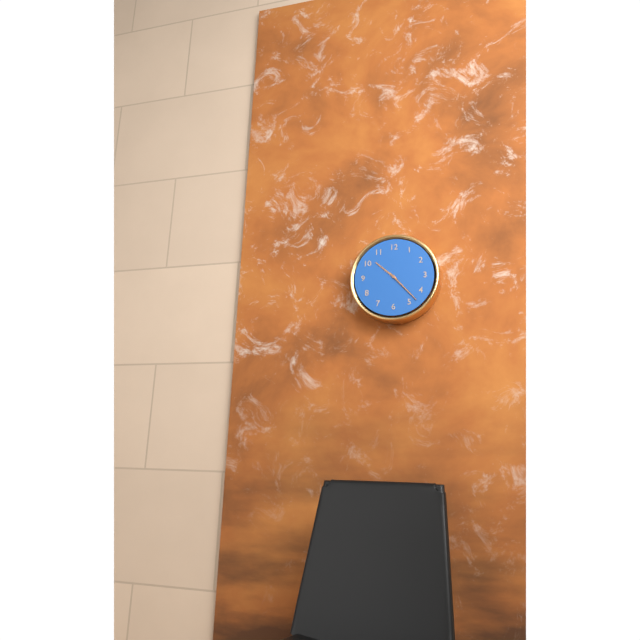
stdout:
h=10 m=23
